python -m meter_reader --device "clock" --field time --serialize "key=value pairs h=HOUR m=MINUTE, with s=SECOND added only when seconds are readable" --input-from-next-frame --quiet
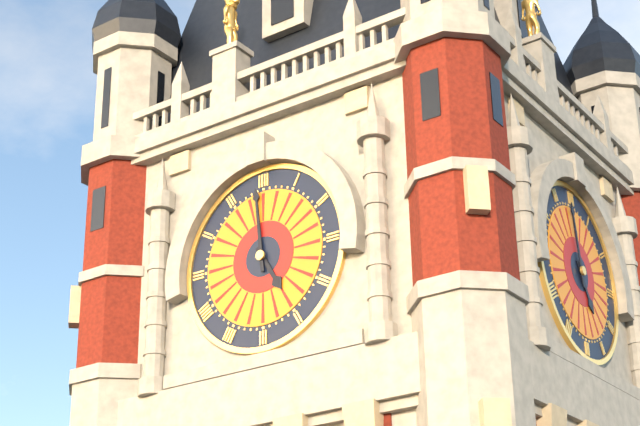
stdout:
h=4 m=59
